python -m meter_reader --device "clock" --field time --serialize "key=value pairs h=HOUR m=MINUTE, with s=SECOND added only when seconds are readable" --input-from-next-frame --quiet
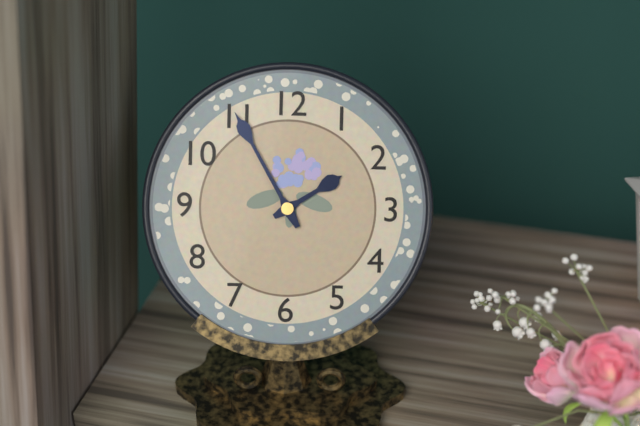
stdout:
h=1 m=55
